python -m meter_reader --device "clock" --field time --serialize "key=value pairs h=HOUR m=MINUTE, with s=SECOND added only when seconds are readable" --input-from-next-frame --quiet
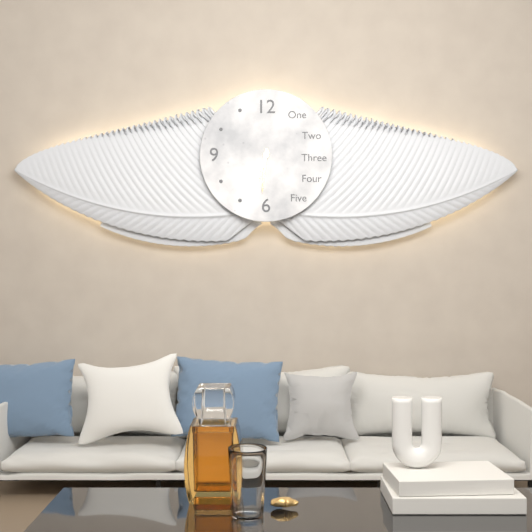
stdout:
h=6 m=31
